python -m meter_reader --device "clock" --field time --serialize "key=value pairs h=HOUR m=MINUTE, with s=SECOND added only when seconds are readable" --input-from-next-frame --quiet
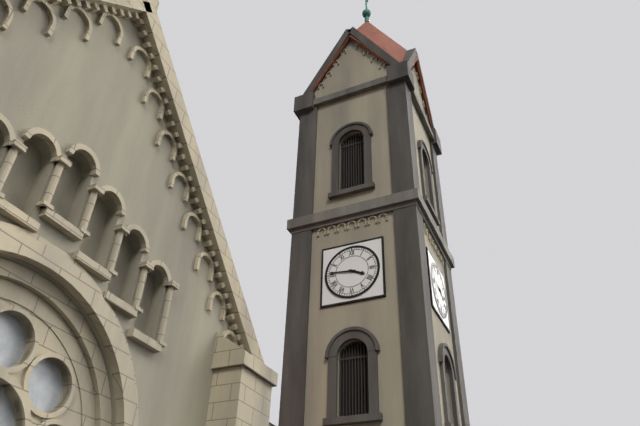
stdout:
h=3 m=46
